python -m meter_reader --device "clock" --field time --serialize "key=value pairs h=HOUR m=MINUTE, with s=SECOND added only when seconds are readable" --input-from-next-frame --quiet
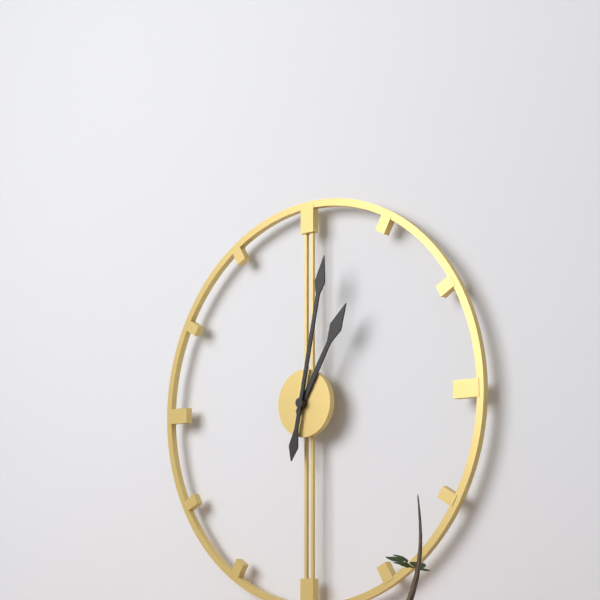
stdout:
h=1 m=2
